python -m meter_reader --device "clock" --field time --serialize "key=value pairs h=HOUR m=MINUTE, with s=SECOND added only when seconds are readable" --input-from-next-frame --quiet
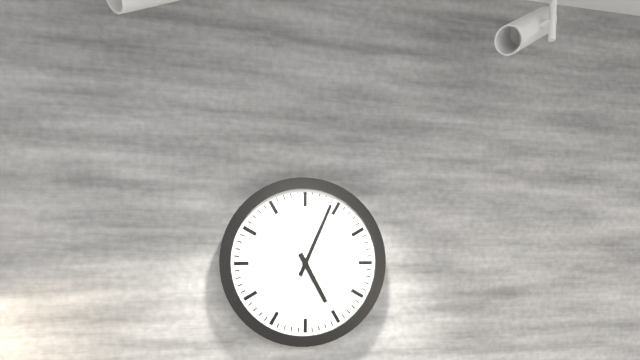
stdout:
h=5 m=4
